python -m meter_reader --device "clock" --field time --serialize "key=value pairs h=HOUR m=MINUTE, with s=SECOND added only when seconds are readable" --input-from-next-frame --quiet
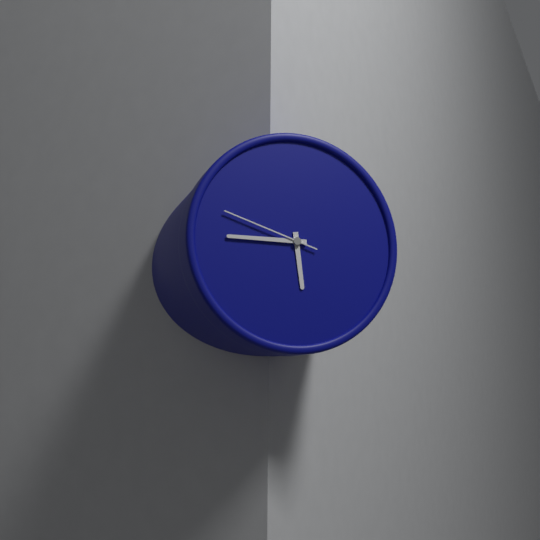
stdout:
h=5 m=45 s=48
